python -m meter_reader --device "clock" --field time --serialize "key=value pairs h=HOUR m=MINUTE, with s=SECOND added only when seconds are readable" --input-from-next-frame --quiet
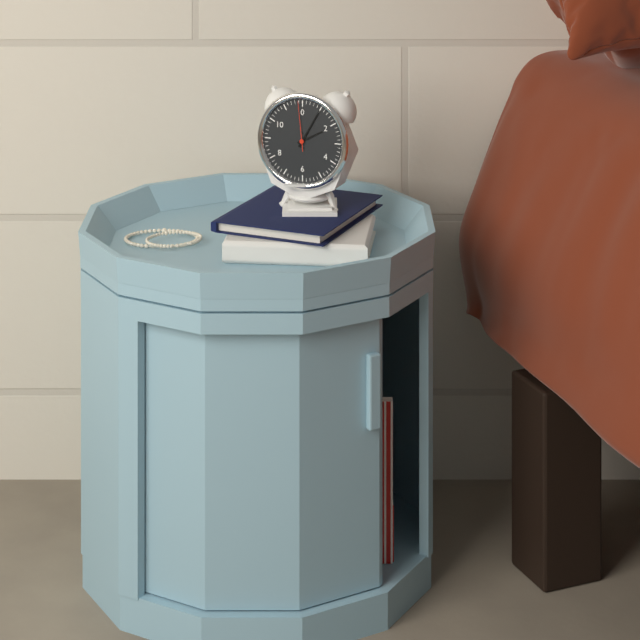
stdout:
h=2 m=5 s=59
